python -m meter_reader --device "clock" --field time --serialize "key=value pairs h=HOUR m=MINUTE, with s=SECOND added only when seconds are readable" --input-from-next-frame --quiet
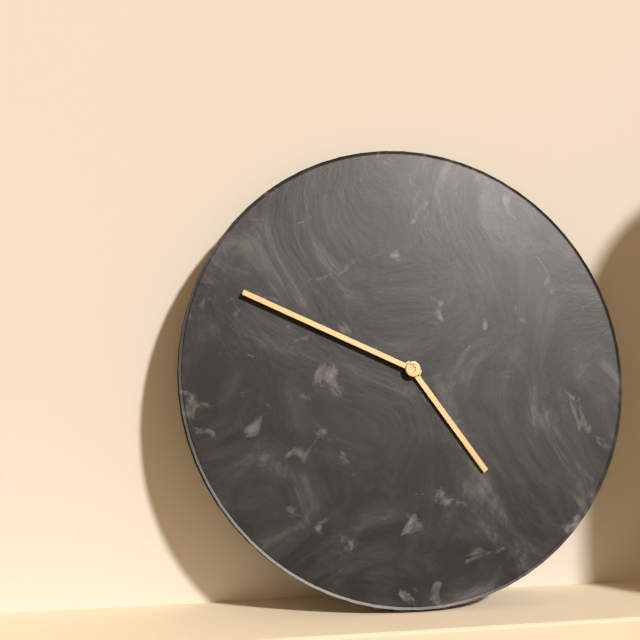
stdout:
h=4 m=49
